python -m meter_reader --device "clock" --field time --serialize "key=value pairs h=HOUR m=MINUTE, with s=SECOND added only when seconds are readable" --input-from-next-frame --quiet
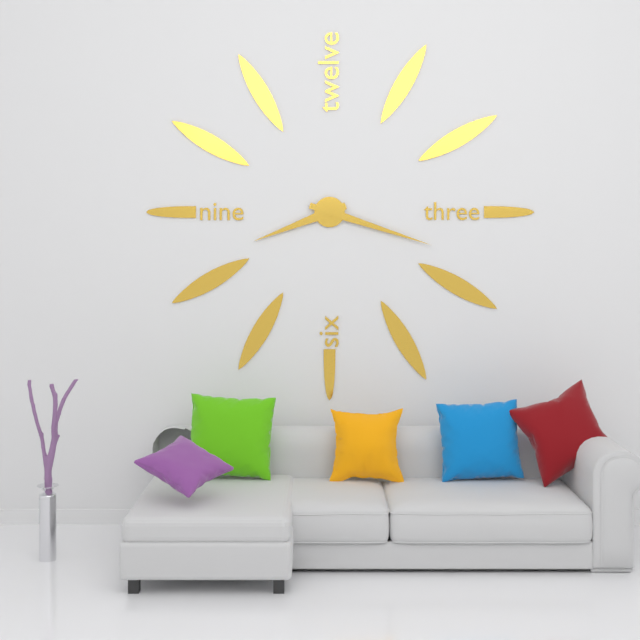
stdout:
h=8 m=18
